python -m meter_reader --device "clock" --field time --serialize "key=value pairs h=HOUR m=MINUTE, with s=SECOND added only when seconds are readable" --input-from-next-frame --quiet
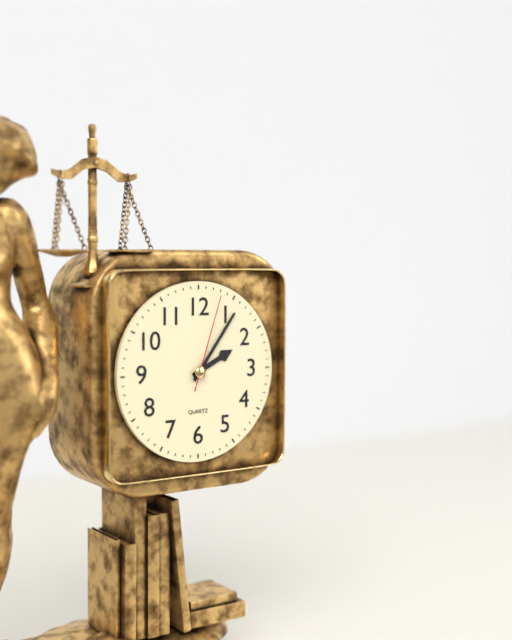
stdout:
h=2 m=6 s=3
